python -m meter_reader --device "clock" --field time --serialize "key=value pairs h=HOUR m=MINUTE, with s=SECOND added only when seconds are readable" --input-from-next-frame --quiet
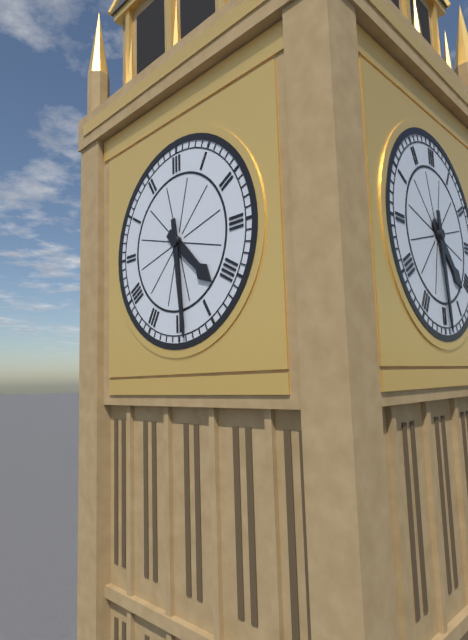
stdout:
h=4 m=29
